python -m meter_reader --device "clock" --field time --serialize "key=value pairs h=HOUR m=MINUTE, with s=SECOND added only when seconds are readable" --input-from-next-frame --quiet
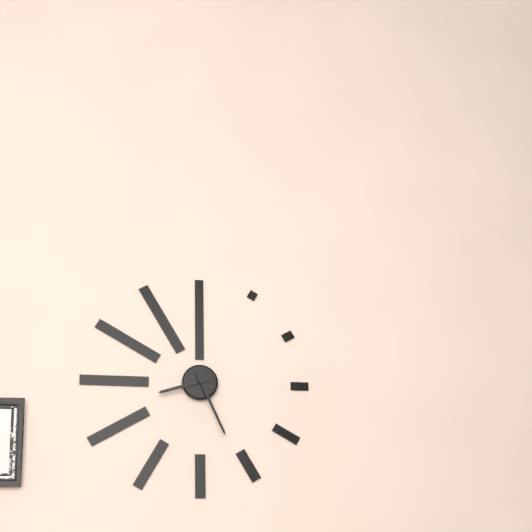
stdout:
h=8 m=26
